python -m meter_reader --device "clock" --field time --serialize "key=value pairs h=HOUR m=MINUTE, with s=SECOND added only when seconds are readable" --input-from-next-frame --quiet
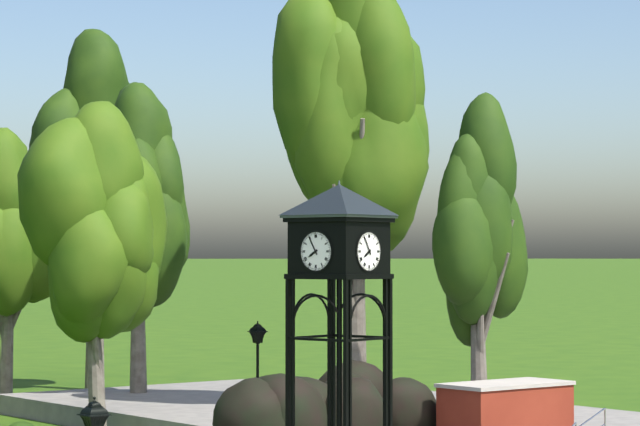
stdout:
h=7 m=55
